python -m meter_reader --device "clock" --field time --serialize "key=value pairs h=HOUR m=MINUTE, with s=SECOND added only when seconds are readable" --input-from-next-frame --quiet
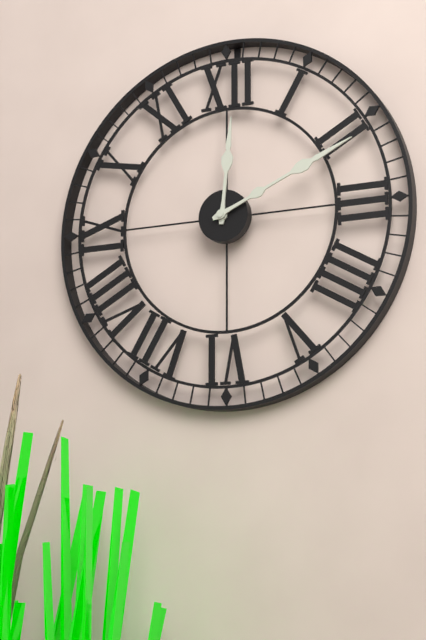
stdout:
h=12 m=11
